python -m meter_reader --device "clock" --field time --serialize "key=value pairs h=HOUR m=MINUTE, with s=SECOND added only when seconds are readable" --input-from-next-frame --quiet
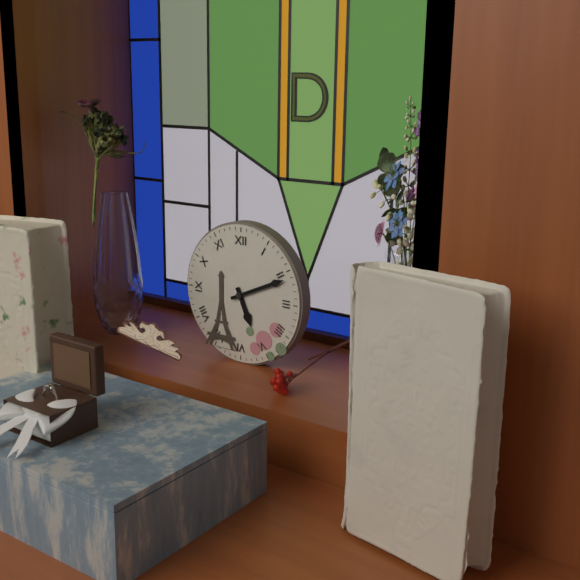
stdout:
h=5 m=11
